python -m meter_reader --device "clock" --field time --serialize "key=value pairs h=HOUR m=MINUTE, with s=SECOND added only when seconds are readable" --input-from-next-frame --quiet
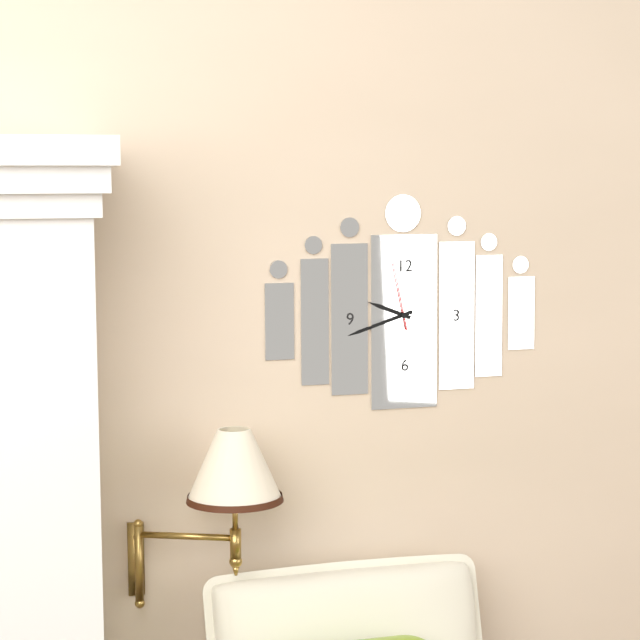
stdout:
h=9 m=42 s=58
